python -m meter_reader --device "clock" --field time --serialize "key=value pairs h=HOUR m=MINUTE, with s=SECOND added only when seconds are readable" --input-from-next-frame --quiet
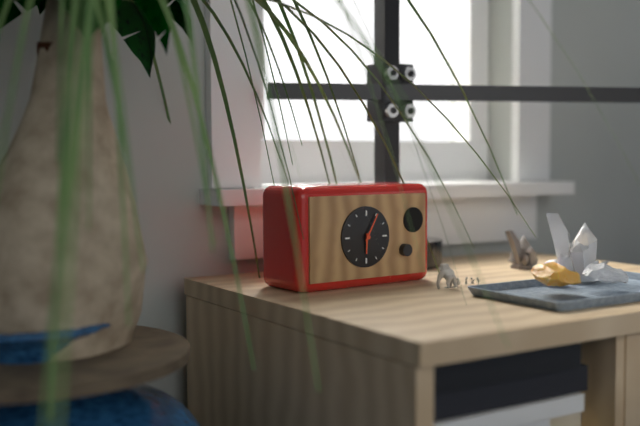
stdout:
h=6 m=5
